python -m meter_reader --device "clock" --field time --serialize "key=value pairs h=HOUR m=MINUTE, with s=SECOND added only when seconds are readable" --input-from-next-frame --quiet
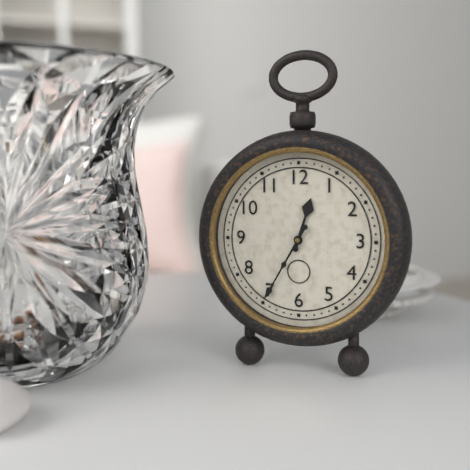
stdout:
h=12 m=35
